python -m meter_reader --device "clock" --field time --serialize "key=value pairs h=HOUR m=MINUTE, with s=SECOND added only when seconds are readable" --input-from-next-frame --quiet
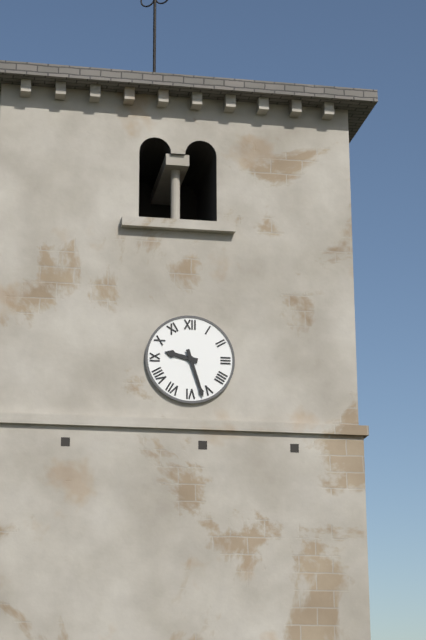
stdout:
h=9 m=27
